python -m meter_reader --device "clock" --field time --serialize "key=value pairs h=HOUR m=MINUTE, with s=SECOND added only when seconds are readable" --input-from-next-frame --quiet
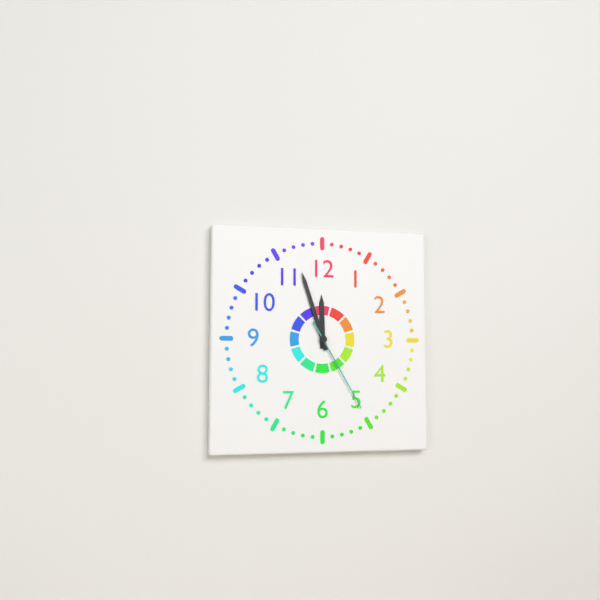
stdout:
h=11 m=57 s=25
